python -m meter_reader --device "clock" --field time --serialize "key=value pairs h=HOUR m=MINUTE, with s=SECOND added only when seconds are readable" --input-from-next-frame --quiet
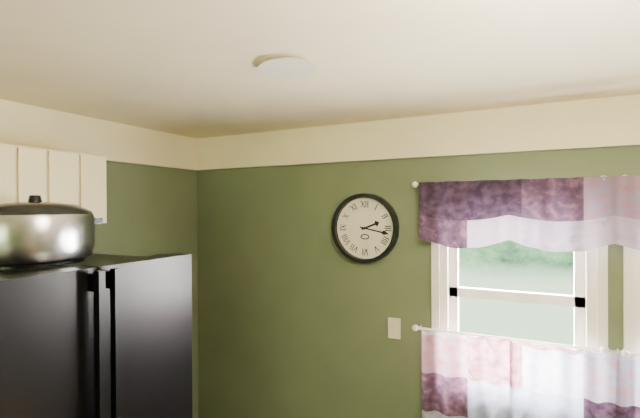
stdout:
h=2 m=17
